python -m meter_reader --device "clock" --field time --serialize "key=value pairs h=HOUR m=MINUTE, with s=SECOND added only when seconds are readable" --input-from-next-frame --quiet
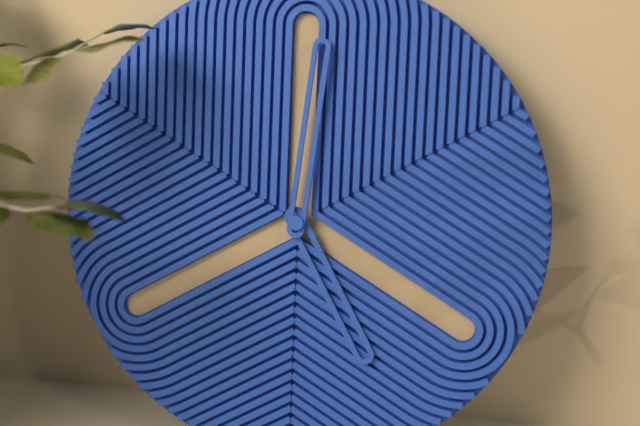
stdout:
h=5 m=1
